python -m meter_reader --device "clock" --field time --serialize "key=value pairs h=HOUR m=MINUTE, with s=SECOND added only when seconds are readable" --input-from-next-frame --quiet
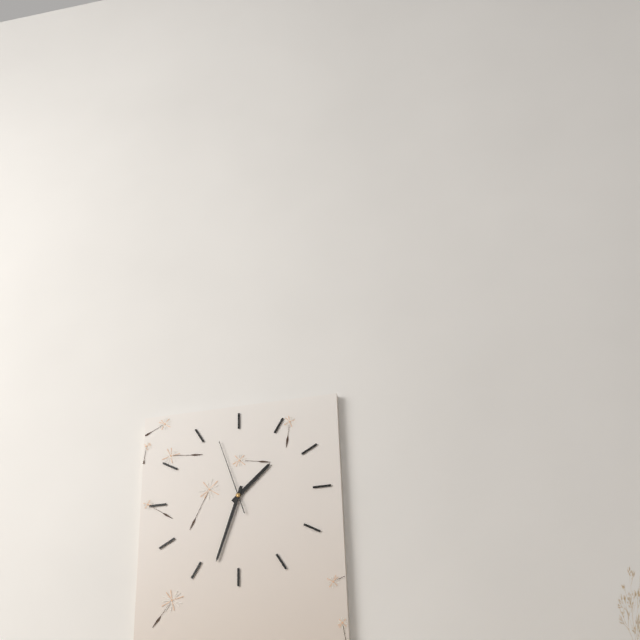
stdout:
h=1 m=33 s=57
